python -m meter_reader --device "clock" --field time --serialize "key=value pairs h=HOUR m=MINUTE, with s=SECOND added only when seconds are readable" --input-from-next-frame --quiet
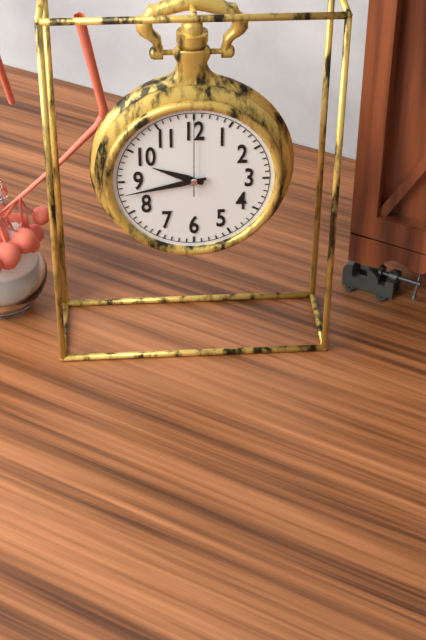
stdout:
h=9 m=43 s=0
